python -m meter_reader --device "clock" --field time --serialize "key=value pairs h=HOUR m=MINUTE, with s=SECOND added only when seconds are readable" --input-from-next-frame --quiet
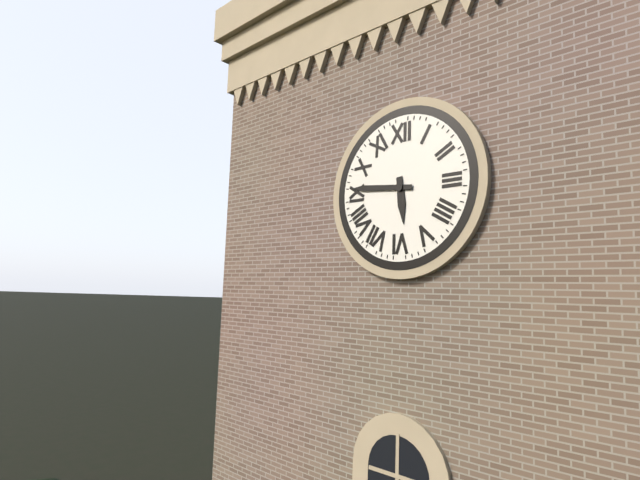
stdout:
h=5 m=46
